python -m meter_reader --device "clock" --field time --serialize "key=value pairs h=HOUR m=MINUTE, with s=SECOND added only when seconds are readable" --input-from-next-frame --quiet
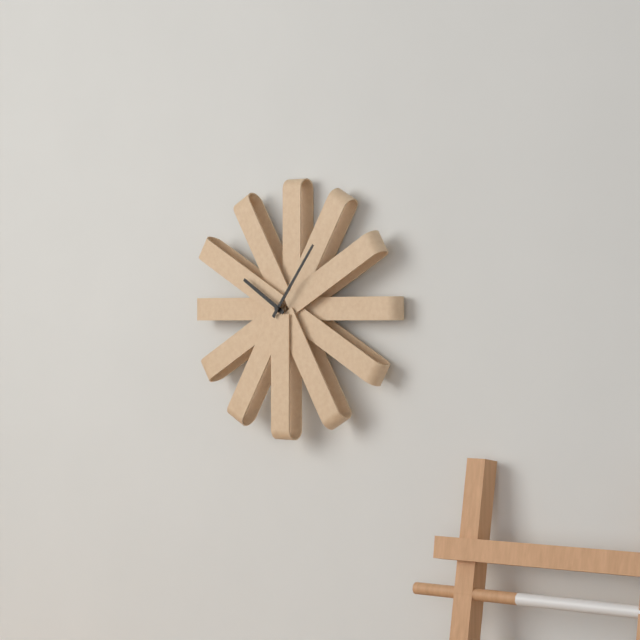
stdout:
h=10 m=6
